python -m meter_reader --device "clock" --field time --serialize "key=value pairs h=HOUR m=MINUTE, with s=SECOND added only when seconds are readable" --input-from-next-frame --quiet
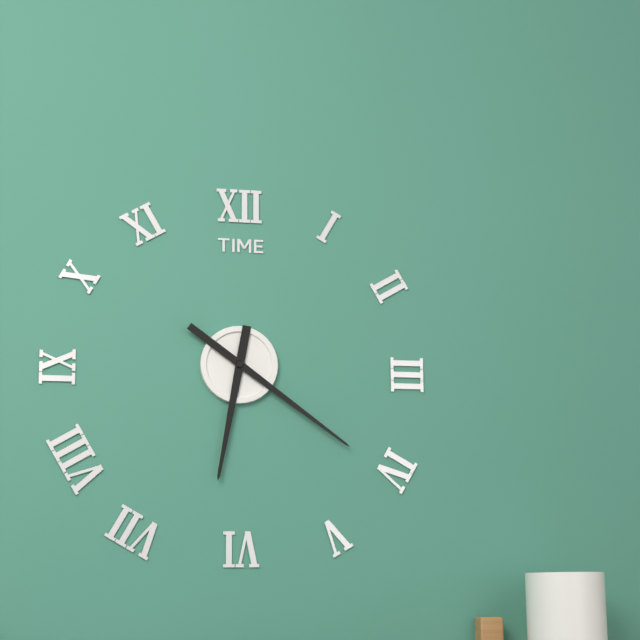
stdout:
h=6 m=21
